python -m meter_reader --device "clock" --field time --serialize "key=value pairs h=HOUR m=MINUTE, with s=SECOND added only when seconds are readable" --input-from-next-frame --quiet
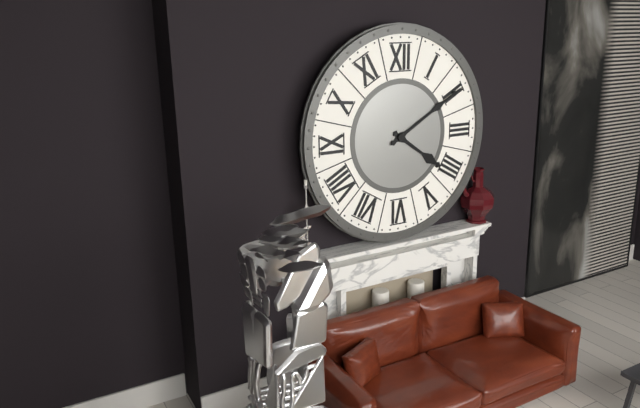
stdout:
h=4 m=10
